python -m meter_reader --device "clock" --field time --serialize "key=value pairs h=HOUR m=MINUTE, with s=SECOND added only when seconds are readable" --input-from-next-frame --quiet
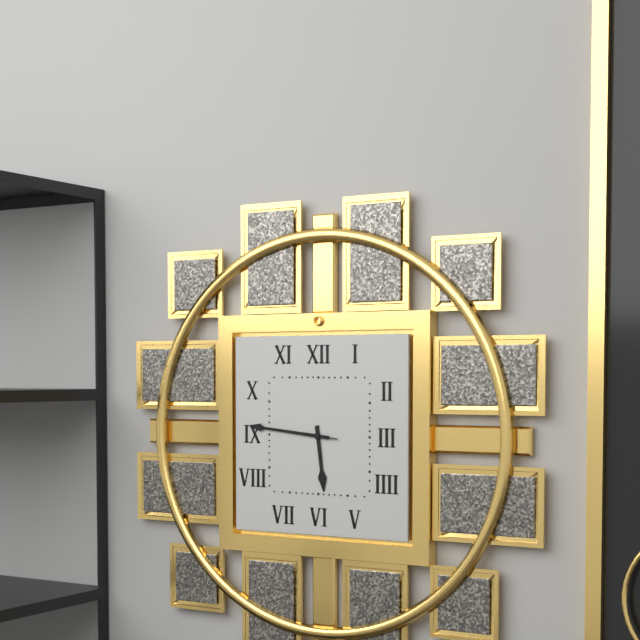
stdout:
h=5 m=46 s=46
